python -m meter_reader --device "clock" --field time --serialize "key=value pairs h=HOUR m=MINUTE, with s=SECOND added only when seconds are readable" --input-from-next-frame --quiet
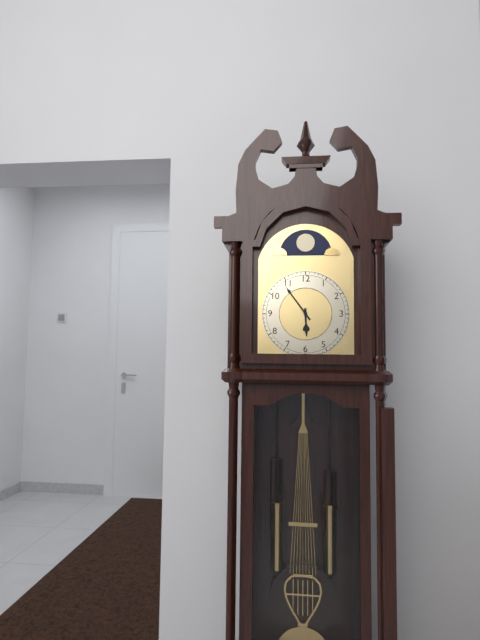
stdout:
h=5 m=54
